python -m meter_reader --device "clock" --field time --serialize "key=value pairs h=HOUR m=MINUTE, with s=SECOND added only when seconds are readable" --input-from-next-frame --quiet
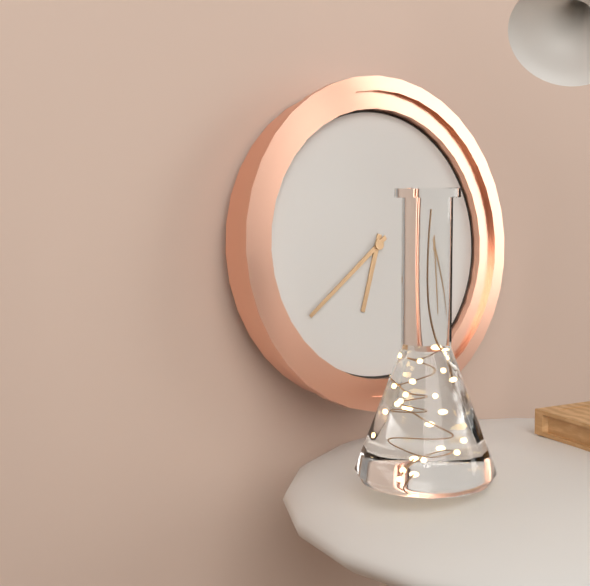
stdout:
h=6 m=39
